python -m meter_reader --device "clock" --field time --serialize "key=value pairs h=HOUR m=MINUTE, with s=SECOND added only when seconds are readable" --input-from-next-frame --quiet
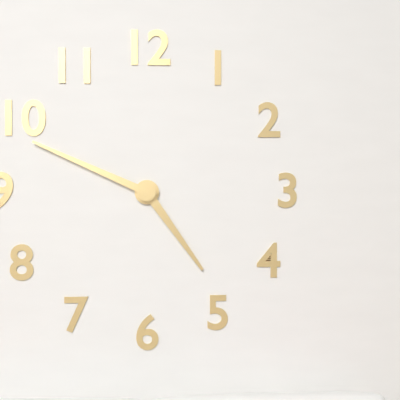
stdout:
h=4 m=49
